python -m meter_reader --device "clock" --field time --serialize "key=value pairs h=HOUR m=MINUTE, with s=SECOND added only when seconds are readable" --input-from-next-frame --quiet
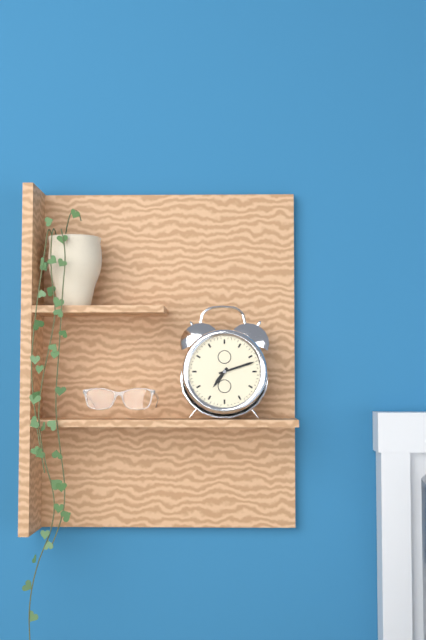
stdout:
h=7 m=12
